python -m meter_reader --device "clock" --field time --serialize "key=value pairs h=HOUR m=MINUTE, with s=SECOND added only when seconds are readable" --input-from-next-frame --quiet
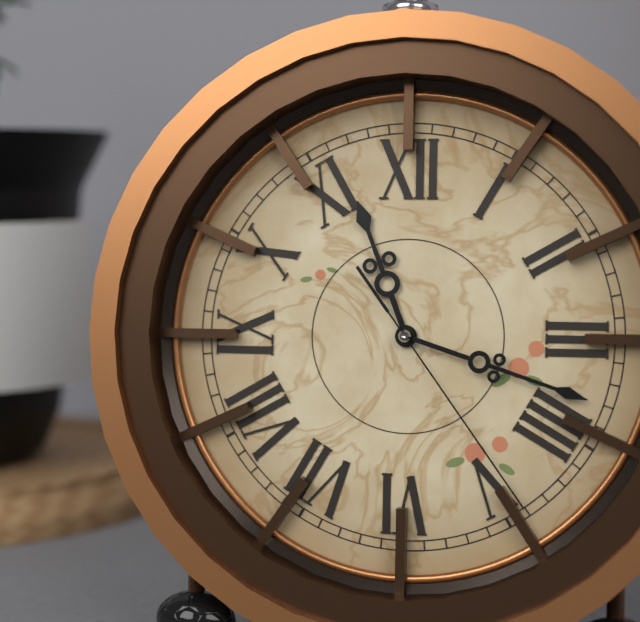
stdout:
h=11 m=18 s=24
